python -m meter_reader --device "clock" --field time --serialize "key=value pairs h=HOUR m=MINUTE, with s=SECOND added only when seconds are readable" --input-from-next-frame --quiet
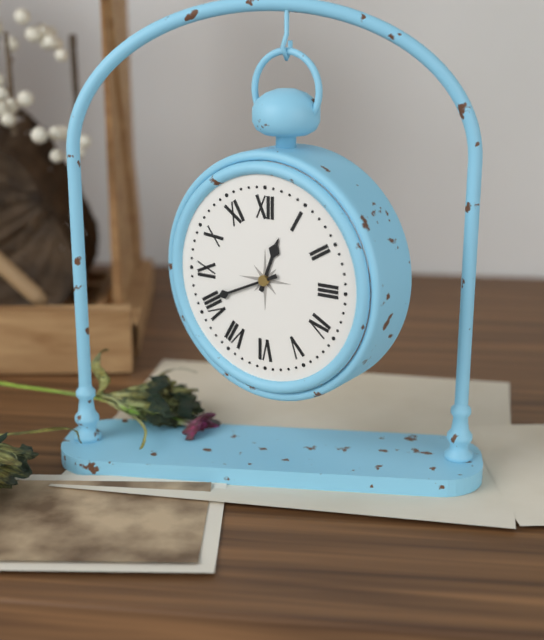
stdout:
h=12 m=41
